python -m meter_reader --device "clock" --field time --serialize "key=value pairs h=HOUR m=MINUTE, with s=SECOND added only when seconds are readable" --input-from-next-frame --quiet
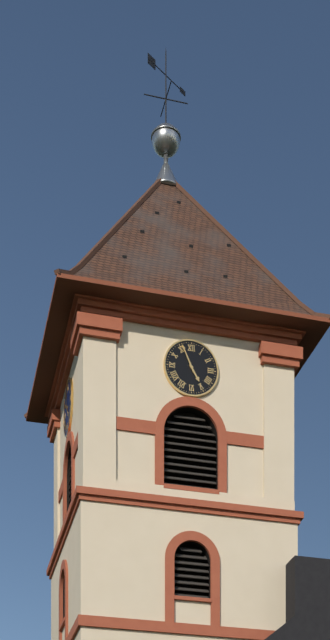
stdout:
h=4 m=56
